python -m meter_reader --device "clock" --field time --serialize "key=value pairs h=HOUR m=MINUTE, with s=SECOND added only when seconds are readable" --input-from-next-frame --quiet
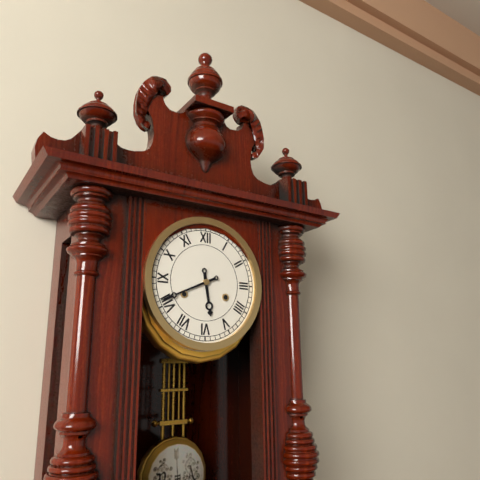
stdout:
h=5 m=41
